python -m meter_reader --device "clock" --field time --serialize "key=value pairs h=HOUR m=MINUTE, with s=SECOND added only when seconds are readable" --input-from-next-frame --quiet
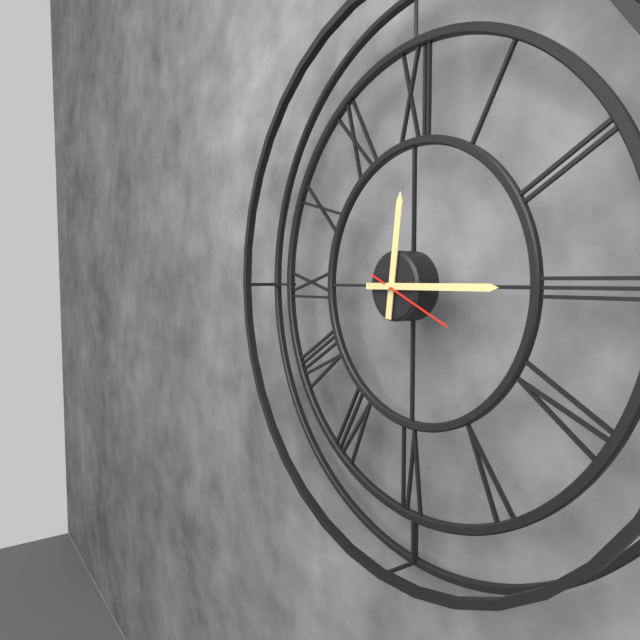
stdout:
h=12 m=15 s=19
